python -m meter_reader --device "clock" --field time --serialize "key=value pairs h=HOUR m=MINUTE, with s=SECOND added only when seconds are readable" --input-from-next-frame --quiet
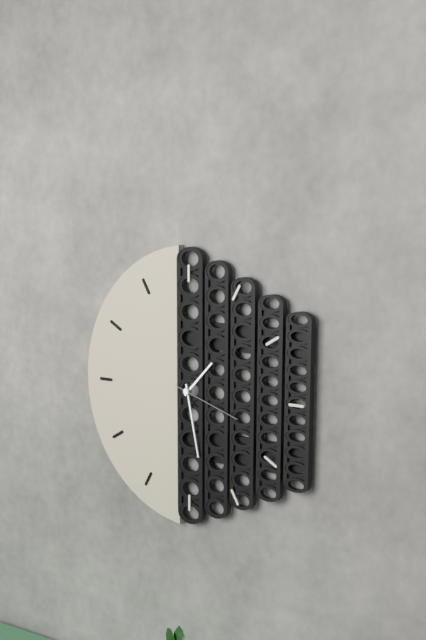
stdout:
h=1 m=28 s=18
